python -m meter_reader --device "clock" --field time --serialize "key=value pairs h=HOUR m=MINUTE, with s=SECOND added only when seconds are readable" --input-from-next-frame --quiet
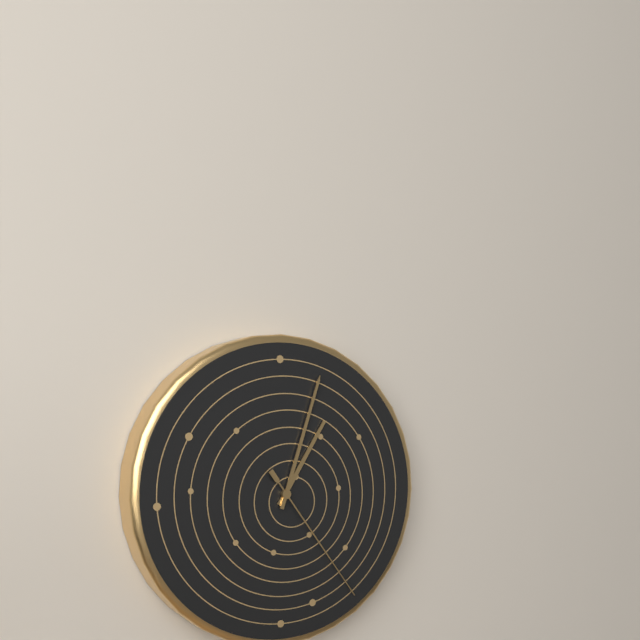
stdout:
h=1 m=3 s=24
